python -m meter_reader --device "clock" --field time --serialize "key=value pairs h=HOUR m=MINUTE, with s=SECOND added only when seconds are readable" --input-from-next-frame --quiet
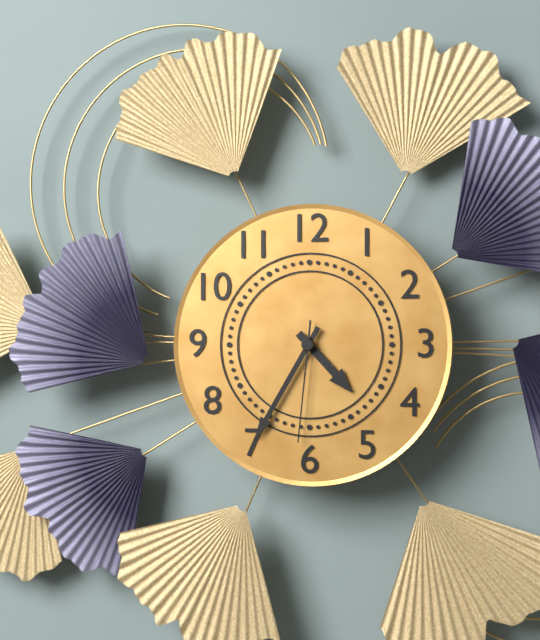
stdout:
h=4 m=35 s=31
